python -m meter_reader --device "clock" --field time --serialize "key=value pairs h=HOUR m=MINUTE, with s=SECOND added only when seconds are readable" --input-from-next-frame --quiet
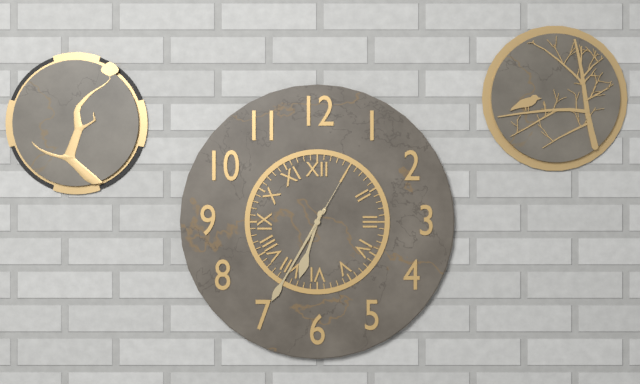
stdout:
h=6 m=35 s=5
